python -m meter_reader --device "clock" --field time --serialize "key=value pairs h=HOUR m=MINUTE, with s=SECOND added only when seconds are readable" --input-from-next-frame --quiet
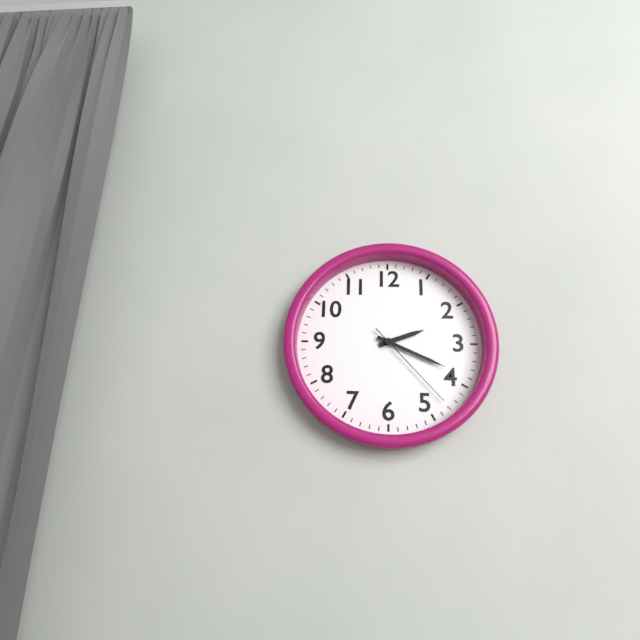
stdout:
h=2 m=19 s=23
